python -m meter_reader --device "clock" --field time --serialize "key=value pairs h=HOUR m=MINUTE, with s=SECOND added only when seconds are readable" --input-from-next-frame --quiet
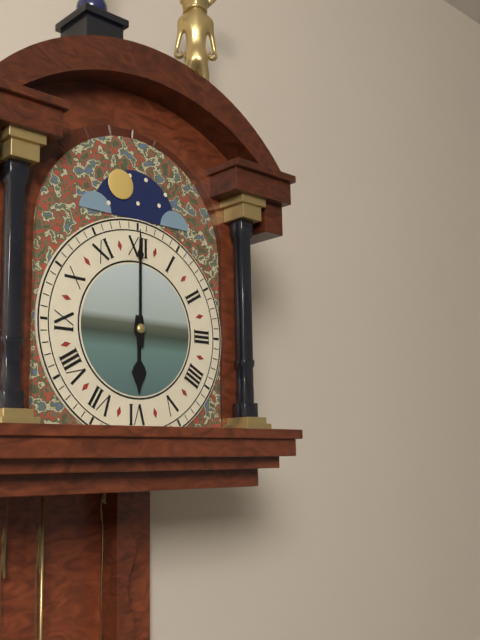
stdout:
h=6 m=0
